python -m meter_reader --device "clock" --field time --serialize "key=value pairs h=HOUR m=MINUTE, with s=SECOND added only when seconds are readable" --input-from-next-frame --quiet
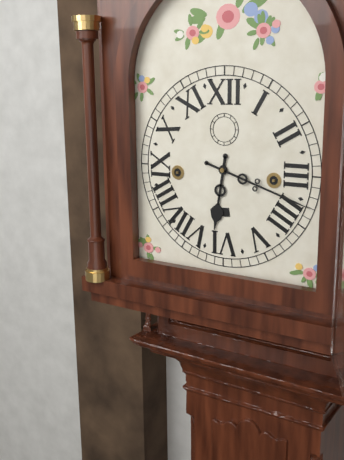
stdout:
h=6 m=18
